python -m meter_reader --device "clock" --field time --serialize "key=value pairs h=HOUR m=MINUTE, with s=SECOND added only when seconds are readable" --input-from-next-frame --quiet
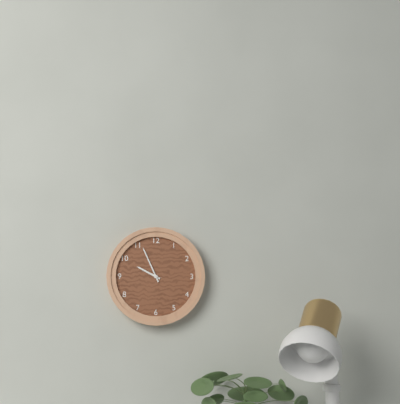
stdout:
h=9 m=56
